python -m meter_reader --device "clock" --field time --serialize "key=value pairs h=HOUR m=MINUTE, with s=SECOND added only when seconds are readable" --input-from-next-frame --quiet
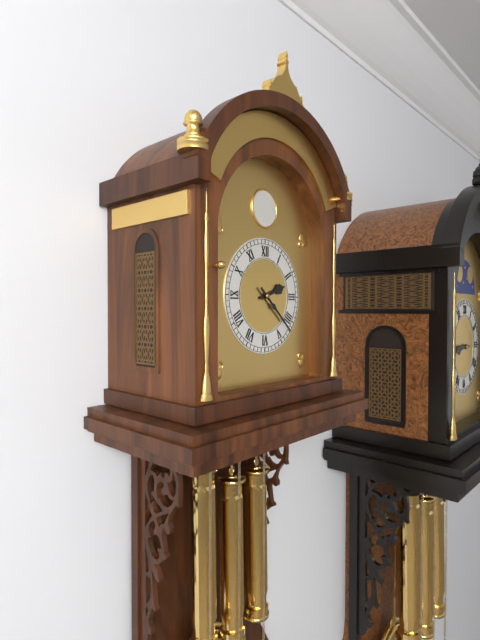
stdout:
h=2 m=22
